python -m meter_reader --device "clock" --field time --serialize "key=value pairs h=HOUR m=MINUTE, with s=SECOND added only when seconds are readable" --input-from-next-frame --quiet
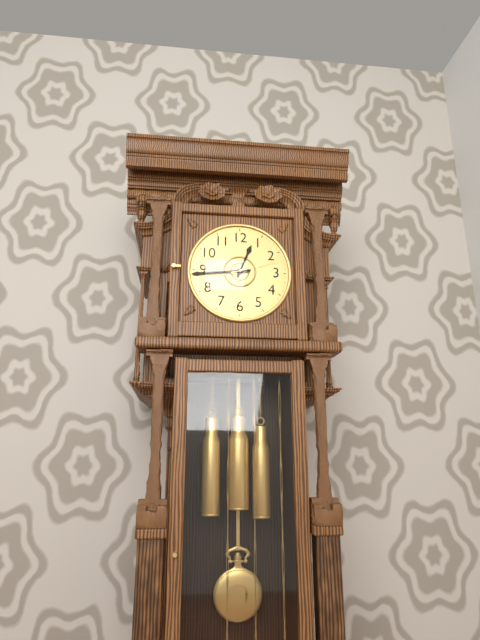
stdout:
h=12 m=44 s=12
